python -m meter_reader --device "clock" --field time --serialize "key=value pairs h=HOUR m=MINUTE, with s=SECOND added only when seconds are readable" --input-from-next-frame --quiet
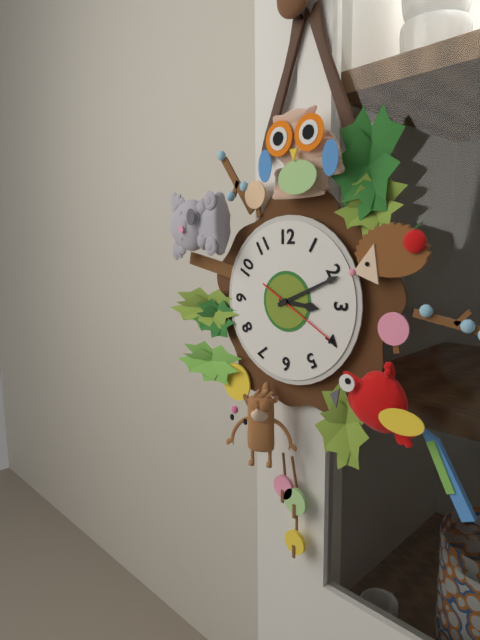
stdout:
h=3 m=11 s=20
